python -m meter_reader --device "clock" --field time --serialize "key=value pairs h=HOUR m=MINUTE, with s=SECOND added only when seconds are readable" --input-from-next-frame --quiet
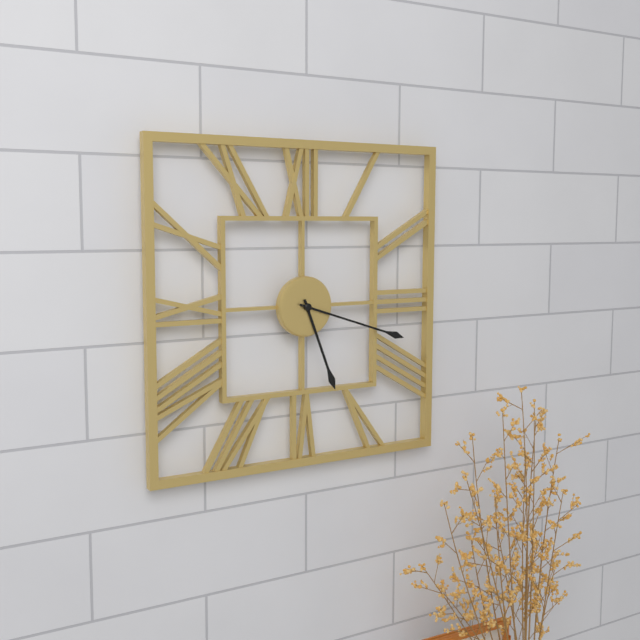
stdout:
h=5 m=18
